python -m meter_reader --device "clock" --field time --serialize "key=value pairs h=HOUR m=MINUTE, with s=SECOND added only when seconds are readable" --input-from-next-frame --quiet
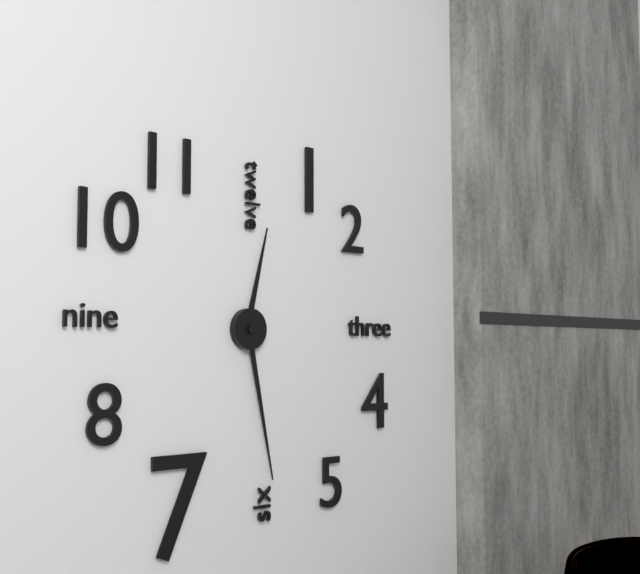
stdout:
h=12 m=28
